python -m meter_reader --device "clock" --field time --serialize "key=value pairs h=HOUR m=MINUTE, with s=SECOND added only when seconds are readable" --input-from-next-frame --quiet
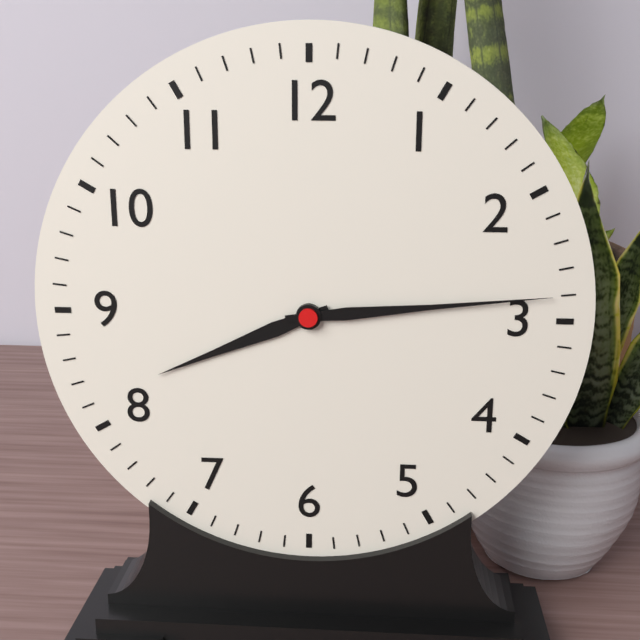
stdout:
h=8 m=14
